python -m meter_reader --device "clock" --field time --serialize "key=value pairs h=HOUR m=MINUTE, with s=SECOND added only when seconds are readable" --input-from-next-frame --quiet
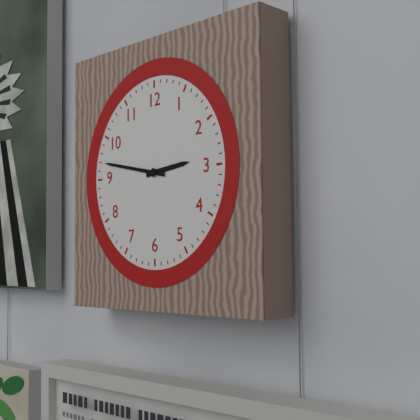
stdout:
h=2 m=47
